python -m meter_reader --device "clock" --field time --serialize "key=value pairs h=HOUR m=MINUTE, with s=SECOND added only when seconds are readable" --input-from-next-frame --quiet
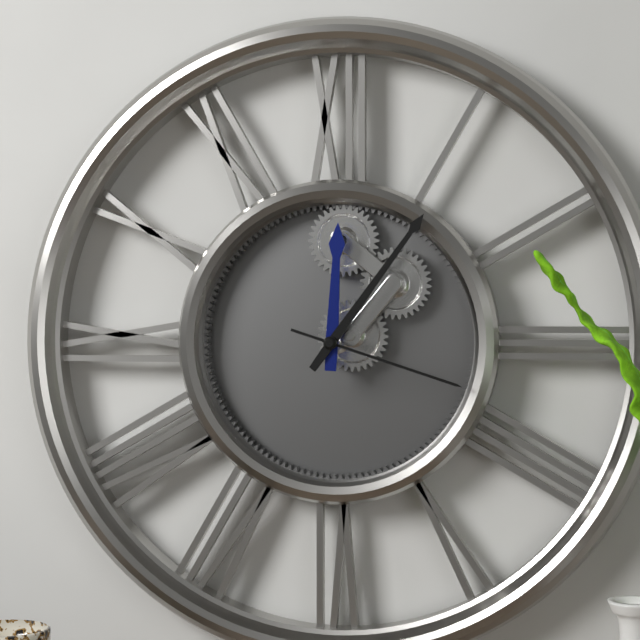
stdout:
h=12 m=6 s=18
